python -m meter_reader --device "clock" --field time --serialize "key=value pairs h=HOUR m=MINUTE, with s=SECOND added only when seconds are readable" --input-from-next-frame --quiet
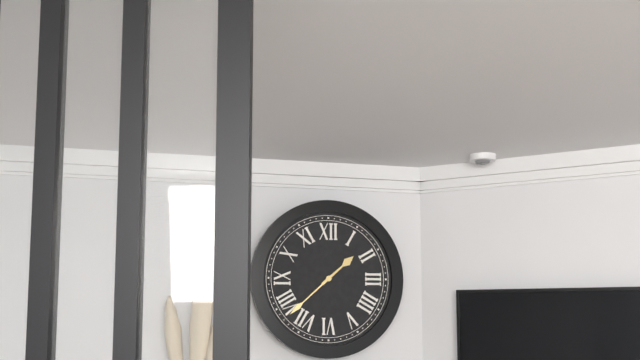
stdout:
h=1 m=38
